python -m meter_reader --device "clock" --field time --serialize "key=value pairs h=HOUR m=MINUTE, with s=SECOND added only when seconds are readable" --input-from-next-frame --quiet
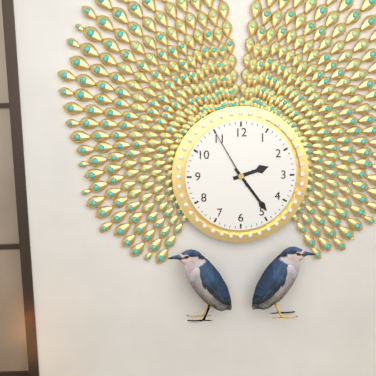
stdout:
h=2 m=24 s=55
